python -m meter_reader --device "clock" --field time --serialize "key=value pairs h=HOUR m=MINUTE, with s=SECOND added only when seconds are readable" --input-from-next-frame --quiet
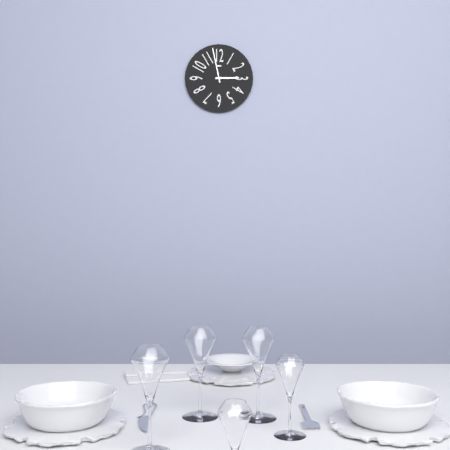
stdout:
h=2 m=58
